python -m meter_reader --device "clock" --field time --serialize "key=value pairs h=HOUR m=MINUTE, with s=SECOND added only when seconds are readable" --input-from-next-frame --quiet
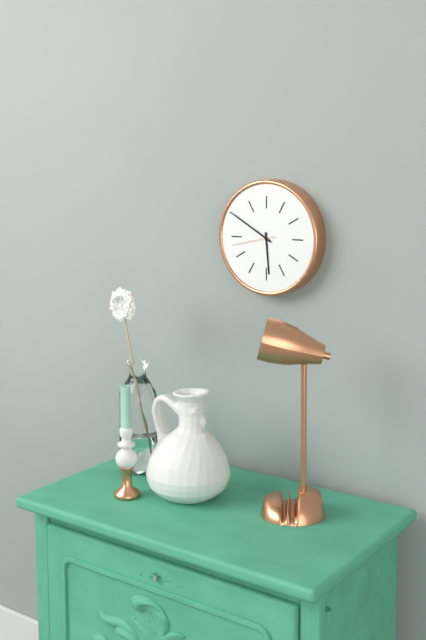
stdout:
h=5 m=50 s=43
